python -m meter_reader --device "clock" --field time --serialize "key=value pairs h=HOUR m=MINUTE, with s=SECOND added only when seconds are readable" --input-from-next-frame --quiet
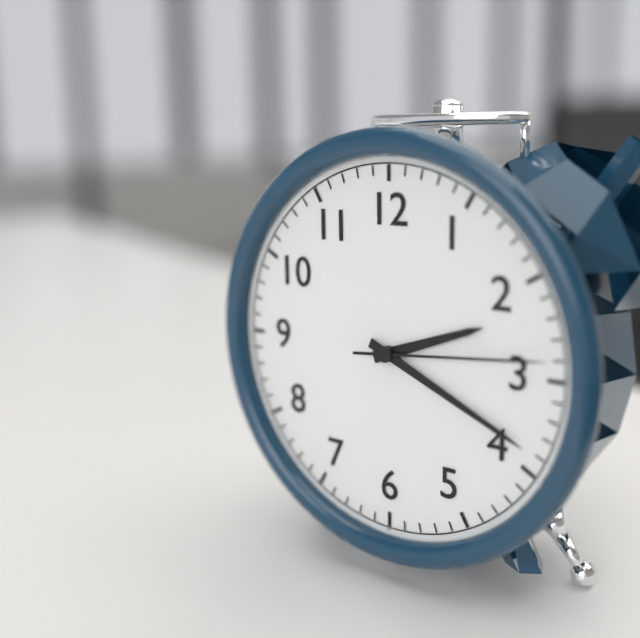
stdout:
h=2 m=19 s=14
